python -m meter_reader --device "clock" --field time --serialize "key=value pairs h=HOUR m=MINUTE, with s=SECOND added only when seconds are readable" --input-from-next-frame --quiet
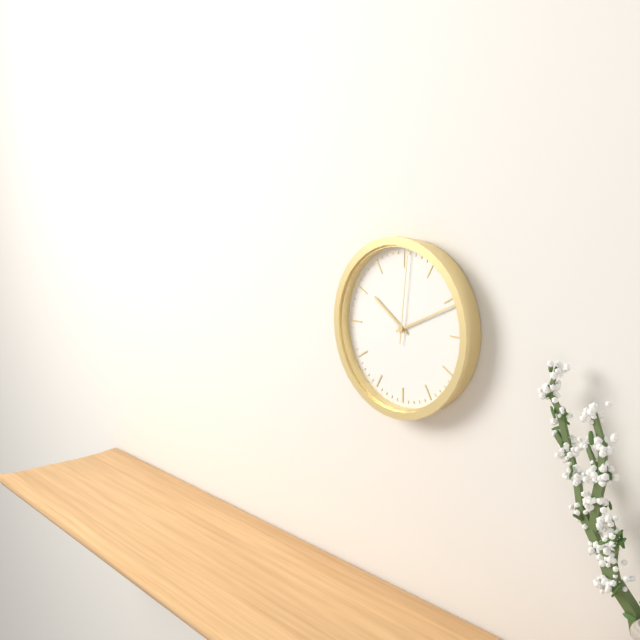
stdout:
h=10 m=11 s=1
